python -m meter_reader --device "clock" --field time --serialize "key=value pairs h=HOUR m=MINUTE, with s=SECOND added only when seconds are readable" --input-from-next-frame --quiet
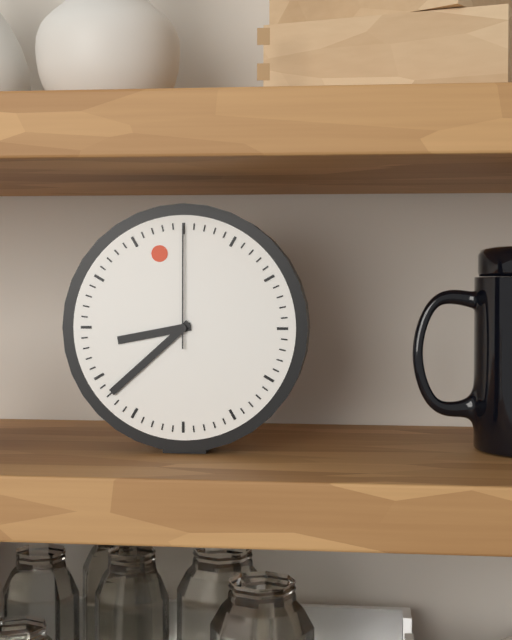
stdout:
h=8 m=38 s=0
